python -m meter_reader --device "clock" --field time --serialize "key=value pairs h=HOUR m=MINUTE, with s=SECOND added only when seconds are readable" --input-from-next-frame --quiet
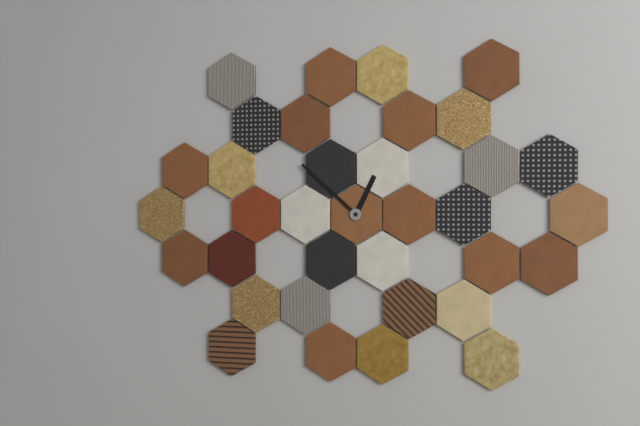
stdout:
h=12 m=52
